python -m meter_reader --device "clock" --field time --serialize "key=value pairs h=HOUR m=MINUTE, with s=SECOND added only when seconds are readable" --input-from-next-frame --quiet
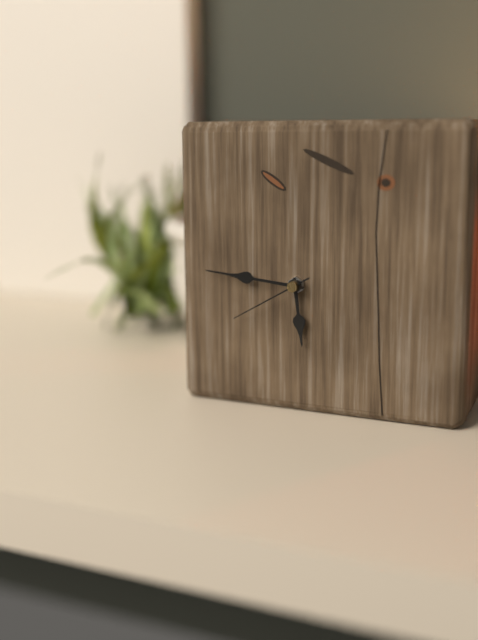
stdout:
h=5 m=46 s=40
